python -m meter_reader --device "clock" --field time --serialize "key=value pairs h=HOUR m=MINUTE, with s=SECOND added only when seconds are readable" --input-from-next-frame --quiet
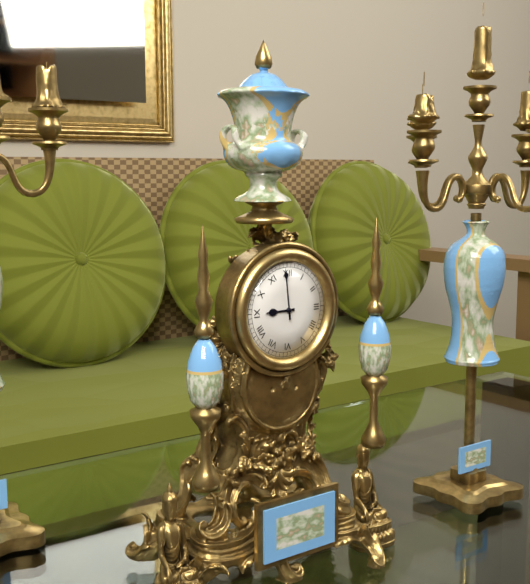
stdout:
h=8 m=59
